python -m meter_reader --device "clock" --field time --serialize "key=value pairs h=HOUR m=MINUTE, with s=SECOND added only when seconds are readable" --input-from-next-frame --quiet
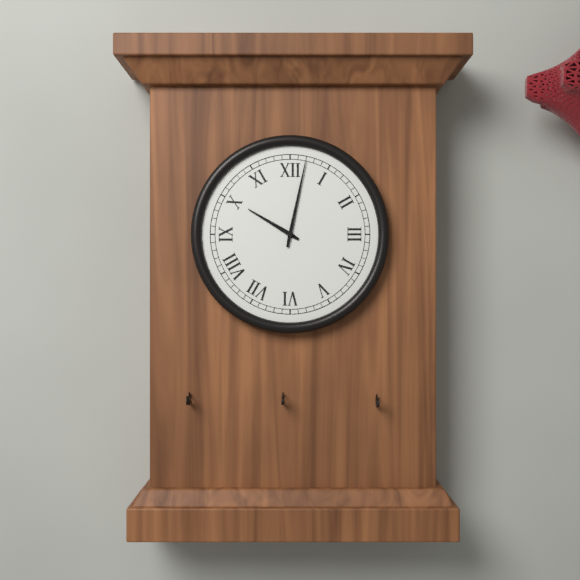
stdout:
h=10 m=2
